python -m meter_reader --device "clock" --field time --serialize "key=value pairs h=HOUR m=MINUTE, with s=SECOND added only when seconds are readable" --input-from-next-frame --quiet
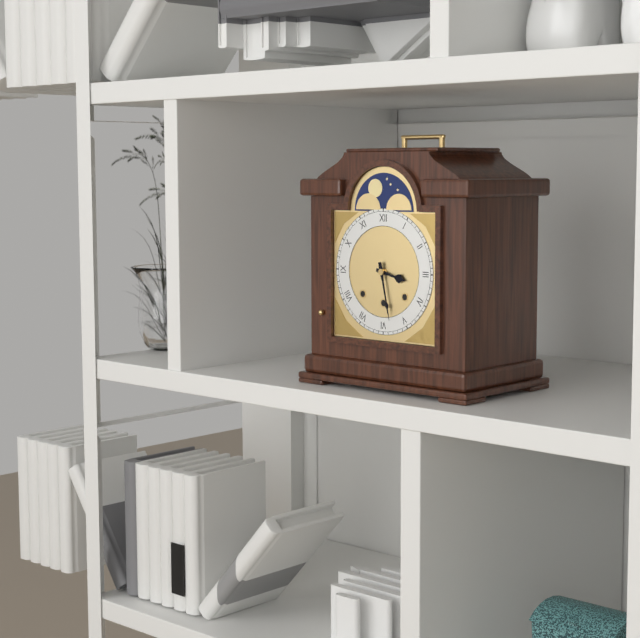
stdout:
h=3 m=28
